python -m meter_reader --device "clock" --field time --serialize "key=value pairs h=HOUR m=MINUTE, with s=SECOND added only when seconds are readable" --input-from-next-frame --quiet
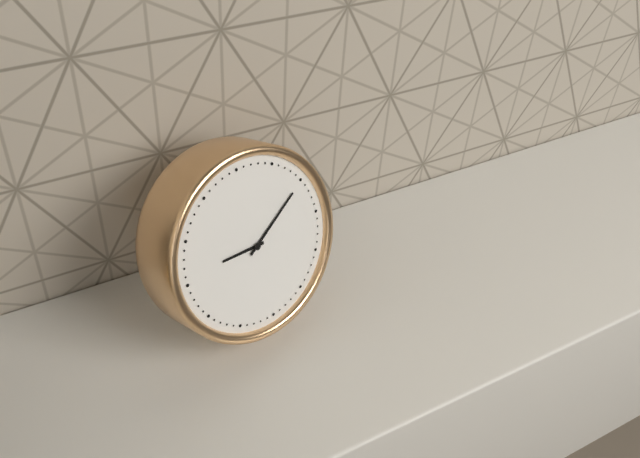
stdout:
h=9 m=10
